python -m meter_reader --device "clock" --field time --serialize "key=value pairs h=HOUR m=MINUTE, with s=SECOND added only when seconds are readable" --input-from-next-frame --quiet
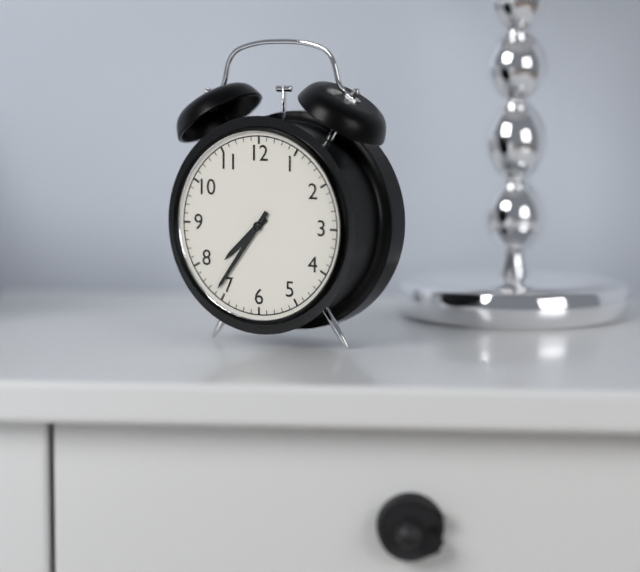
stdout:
h=7 m=36
